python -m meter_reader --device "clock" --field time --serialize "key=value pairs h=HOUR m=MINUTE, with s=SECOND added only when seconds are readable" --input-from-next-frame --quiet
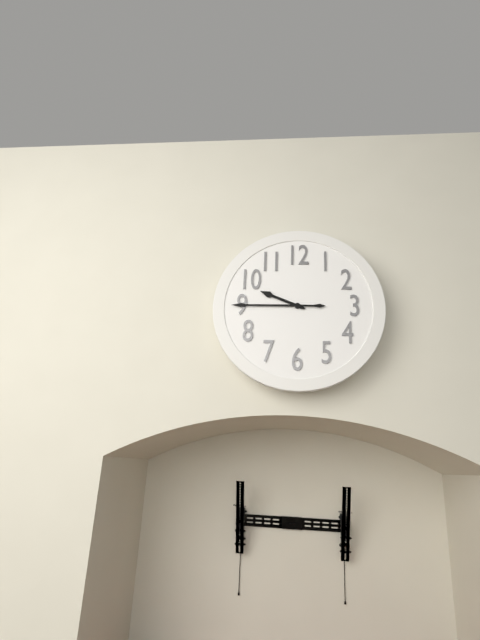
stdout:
h=9 m=45
